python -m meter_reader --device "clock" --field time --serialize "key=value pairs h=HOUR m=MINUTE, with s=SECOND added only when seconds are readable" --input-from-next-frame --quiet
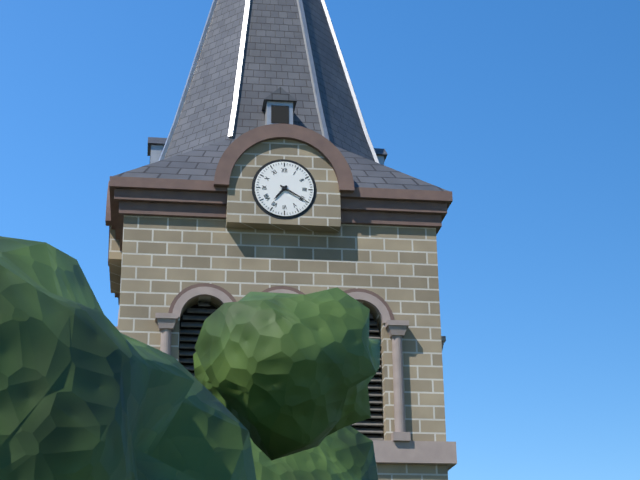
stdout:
h=7 m=20
